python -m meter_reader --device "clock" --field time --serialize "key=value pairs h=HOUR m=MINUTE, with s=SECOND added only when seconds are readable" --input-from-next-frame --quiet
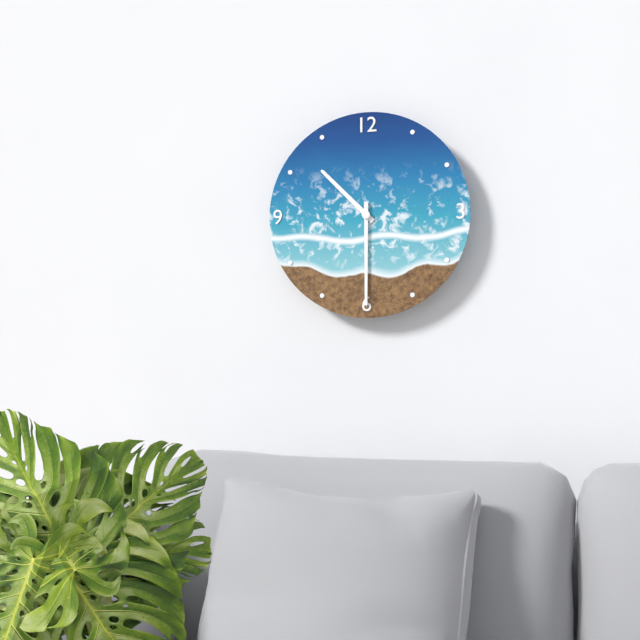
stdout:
h=10 m=30
